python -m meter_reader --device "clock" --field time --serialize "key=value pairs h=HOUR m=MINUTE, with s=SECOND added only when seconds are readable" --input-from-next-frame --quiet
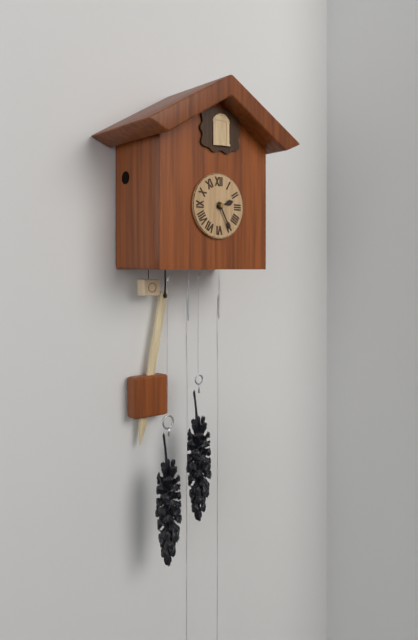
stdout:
h=2 m=25
